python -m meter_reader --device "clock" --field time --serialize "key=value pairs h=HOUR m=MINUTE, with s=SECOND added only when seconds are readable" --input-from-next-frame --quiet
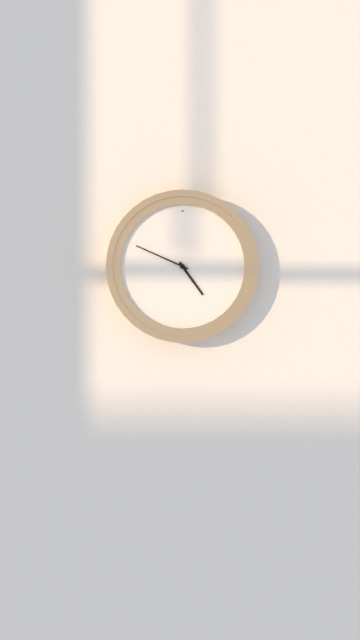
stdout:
h=4 m=49
